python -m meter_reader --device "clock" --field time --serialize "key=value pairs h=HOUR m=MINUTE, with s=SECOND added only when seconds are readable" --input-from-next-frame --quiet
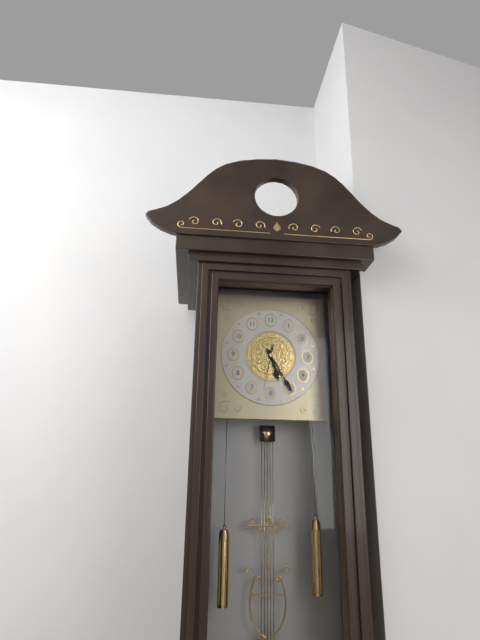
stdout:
h=5 m=25
